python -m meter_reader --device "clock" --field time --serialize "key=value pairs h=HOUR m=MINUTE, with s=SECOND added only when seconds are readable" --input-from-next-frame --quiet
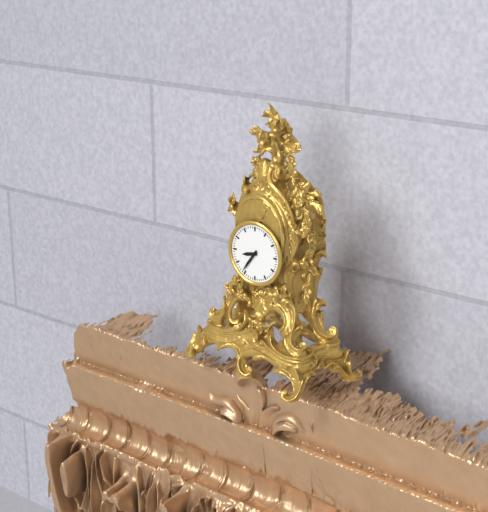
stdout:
h=8 m=36
